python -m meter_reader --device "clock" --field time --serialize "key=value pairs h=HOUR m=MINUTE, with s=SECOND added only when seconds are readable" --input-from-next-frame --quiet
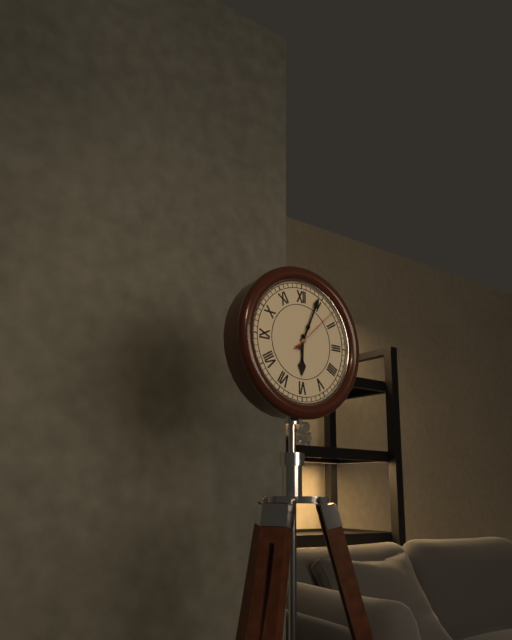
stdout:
h=6 m=4 s=8
